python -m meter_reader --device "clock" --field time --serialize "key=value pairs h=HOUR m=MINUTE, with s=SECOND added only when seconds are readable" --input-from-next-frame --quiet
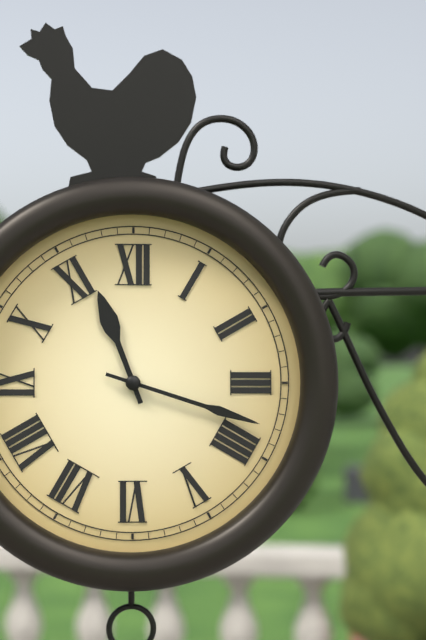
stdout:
h=11 m=18
